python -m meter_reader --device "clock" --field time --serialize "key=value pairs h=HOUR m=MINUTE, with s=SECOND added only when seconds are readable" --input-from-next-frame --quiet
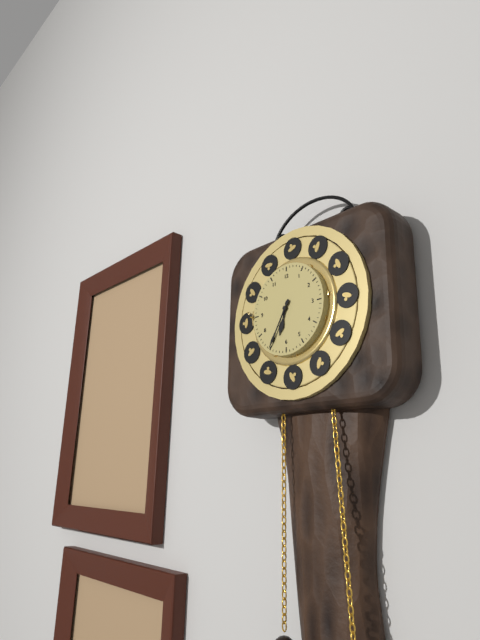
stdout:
h=6 m=35
